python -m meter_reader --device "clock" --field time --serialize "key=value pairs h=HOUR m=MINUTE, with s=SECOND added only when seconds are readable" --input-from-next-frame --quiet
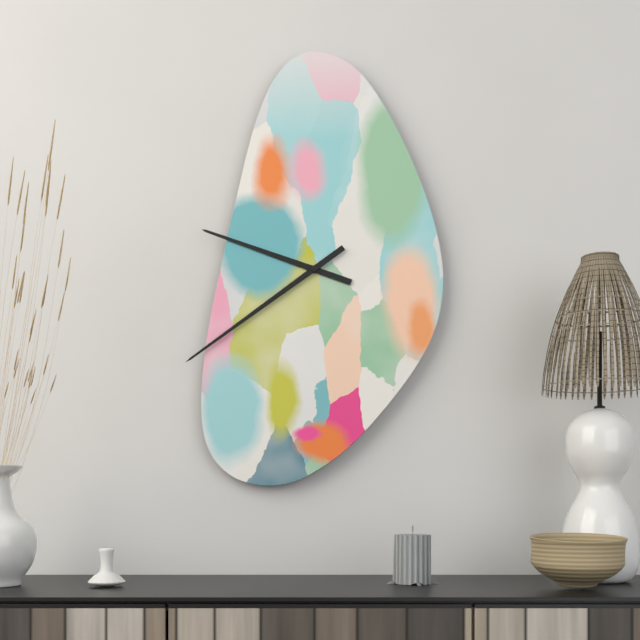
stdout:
h=9 m=39
